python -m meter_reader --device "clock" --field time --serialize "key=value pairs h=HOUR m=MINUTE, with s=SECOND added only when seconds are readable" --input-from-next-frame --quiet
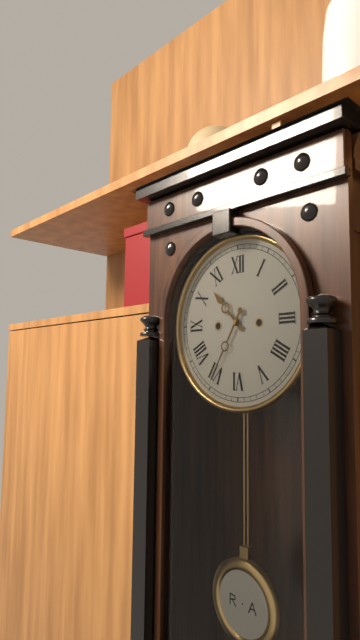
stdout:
h=10 m=35
